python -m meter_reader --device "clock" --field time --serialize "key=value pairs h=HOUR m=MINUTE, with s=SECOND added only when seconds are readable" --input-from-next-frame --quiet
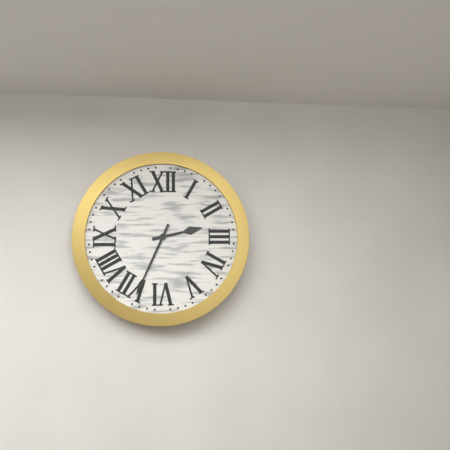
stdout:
h=2 m=34
